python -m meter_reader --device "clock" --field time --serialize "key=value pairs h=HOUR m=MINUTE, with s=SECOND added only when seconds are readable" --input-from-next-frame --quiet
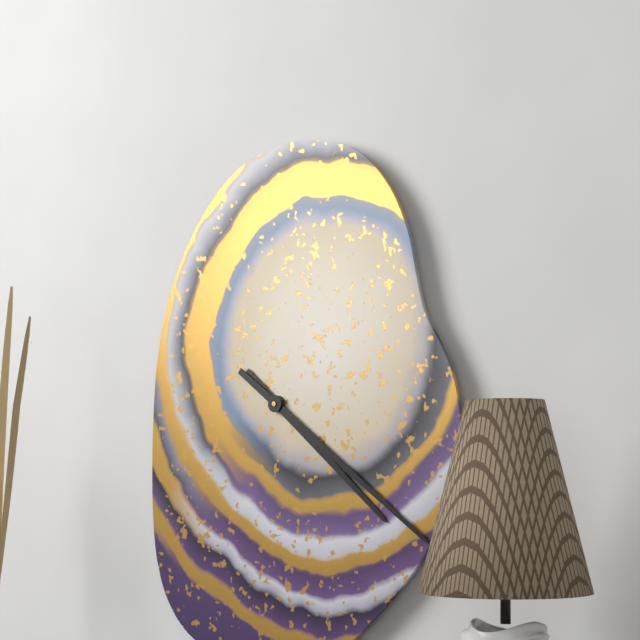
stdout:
h=4 m=21
